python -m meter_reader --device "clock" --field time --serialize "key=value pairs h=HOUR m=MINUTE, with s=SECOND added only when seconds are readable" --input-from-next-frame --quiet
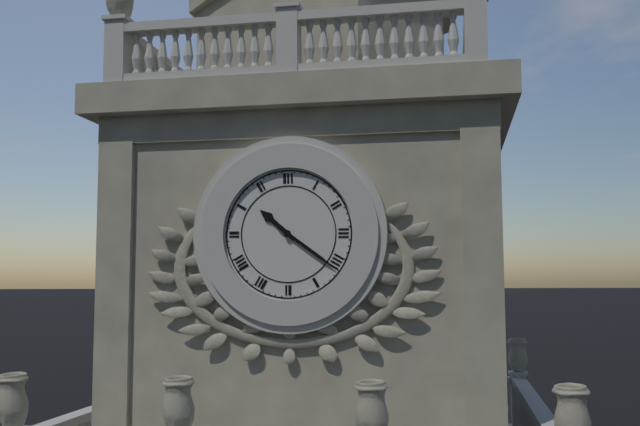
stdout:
h=10 m=21
